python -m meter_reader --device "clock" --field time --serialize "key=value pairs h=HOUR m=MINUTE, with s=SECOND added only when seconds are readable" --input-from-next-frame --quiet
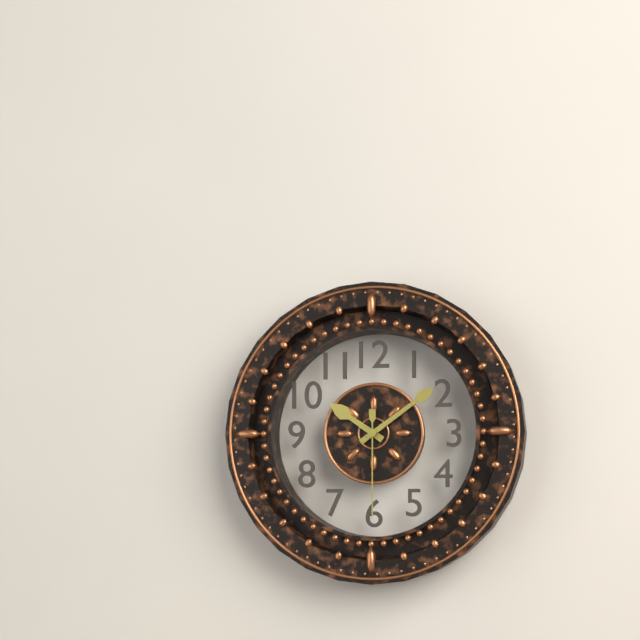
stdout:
h=10 m=9 s=30
